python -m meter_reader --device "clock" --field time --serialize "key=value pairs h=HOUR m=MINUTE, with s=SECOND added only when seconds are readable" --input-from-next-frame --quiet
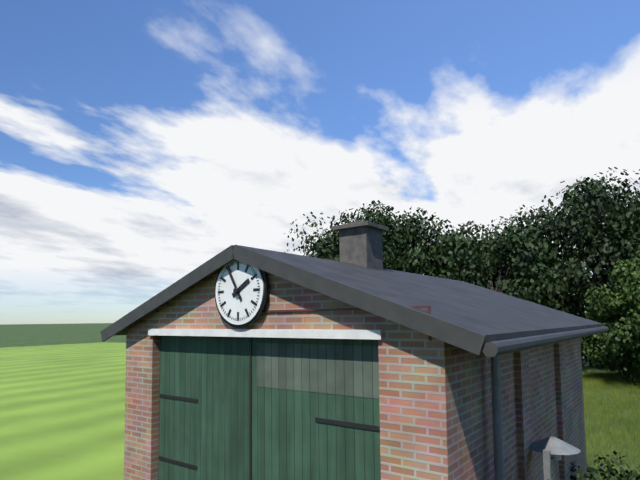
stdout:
h=1 m=55
